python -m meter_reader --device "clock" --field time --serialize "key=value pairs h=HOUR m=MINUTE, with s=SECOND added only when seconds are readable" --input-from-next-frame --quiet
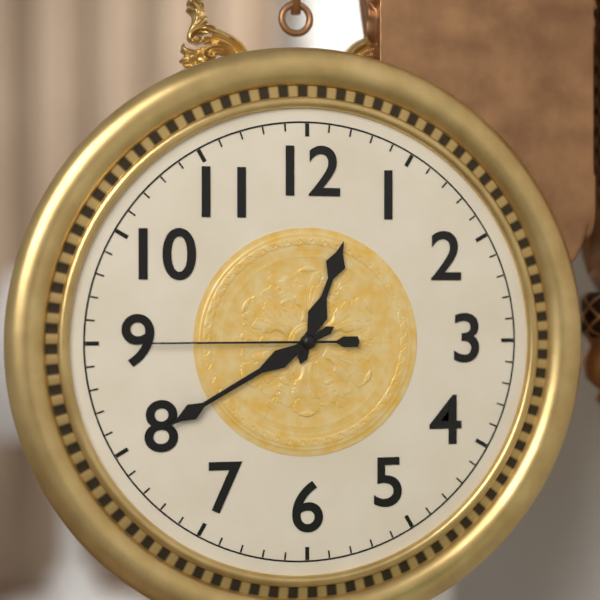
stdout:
h=12 m=40 s=45
